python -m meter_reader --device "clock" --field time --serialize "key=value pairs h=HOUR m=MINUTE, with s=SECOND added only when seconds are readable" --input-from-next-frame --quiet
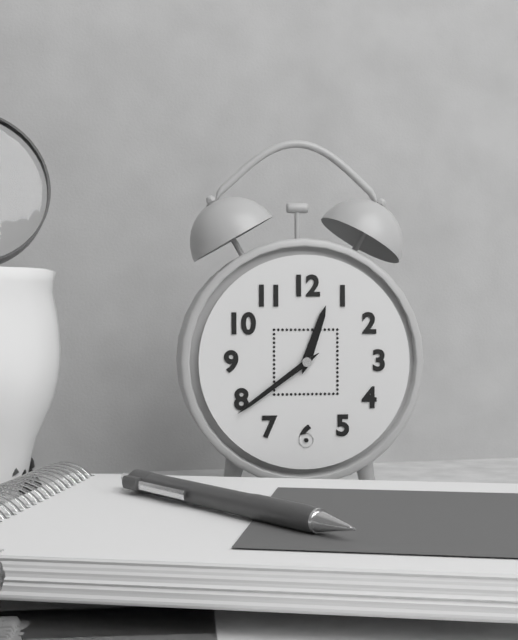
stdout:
h=12 m=39
